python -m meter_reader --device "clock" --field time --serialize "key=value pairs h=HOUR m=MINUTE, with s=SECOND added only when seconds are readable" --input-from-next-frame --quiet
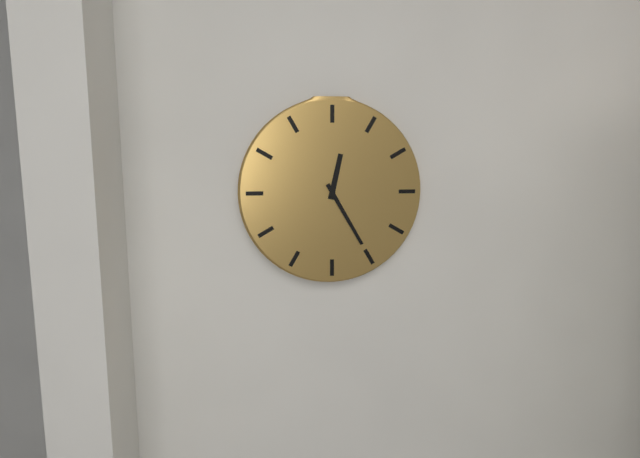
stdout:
h=12 m=25
